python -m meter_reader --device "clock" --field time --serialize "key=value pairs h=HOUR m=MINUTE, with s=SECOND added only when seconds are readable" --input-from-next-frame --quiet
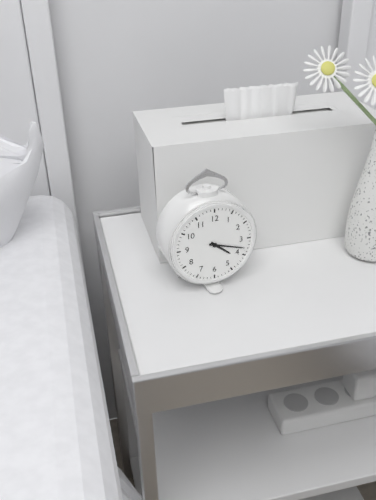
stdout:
h=4 m=18
